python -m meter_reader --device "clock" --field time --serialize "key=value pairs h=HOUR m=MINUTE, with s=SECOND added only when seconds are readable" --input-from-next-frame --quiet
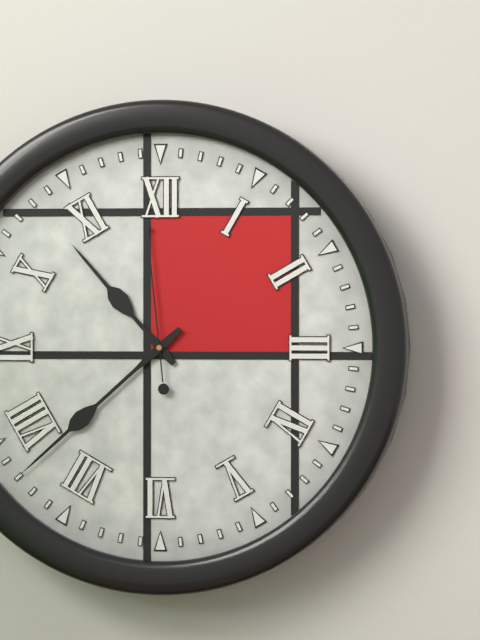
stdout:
h=10 m=38 s=59
